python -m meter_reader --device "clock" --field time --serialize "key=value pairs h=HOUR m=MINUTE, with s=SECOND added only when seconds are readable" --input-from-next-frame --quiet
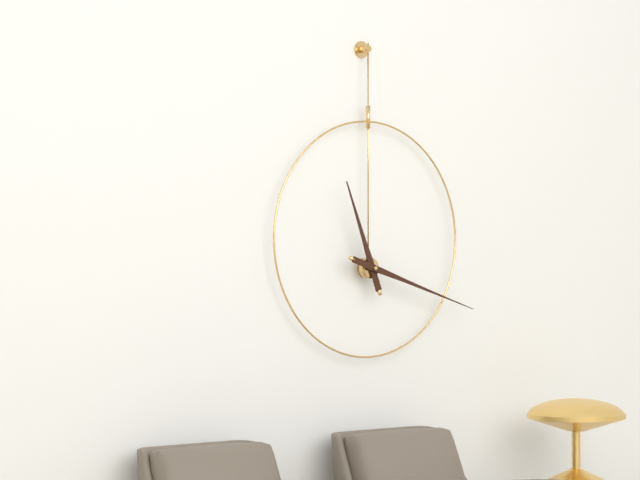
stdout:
h=11 m=18
